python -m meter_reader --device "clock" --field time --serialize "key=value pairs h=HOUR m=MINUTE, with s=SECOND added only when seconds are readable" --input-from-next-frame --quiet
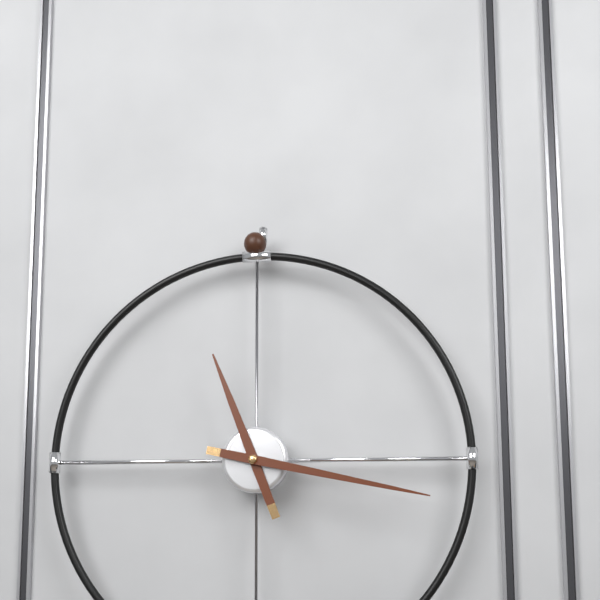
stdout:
h=11 m=17
